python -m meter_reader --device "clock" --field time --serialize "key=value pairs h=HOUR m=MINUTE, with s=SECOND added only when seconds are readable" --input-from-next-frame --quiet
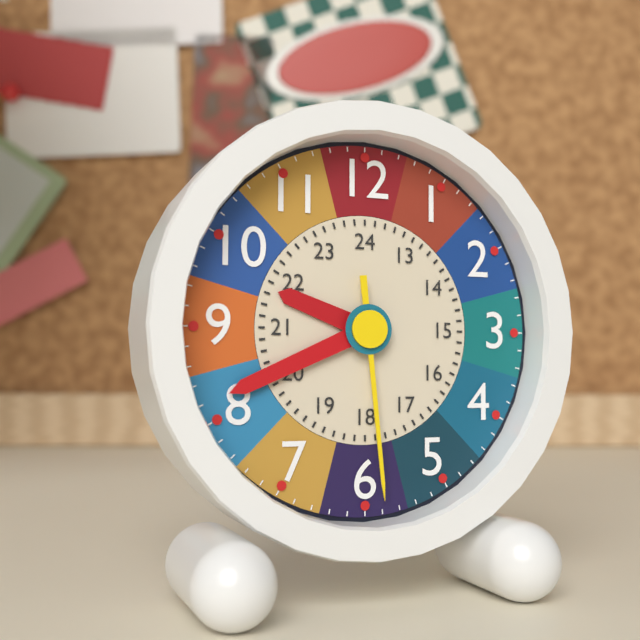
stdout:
h=9 m=41 s=29
